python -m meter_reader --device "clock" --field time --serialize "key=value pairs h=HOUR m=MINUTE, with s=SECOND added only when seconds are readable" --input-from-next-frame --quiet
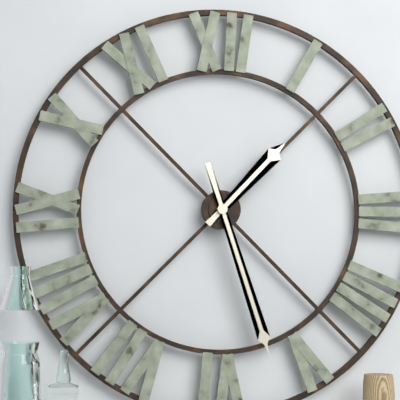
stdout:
h=1 m=27
